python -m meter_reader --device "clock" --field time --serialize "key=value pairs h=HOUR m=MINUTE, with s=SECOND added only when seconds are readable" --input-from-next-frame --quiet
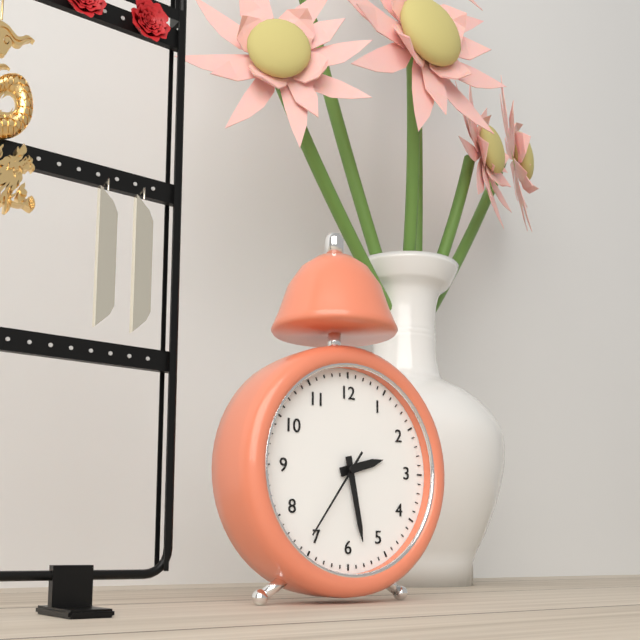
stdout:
h=2 m=28 s=36
